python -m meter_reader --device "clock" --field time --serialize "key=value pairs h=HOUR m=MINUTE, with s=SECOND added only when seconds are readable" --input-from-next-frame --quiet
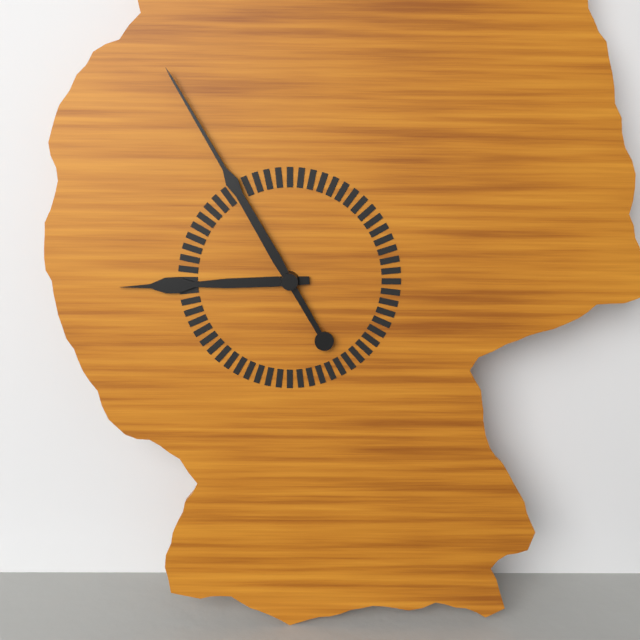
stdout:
h=8 m=55
